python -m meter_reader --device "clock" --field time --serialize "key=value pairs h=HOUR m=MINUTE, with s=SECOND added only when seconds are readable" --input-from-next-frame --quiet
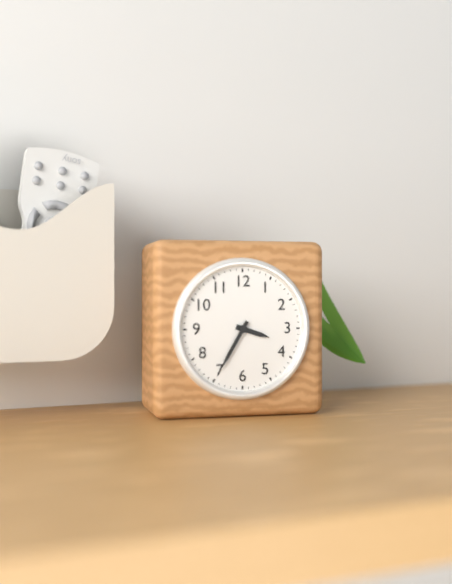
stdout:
h=3 m=35
